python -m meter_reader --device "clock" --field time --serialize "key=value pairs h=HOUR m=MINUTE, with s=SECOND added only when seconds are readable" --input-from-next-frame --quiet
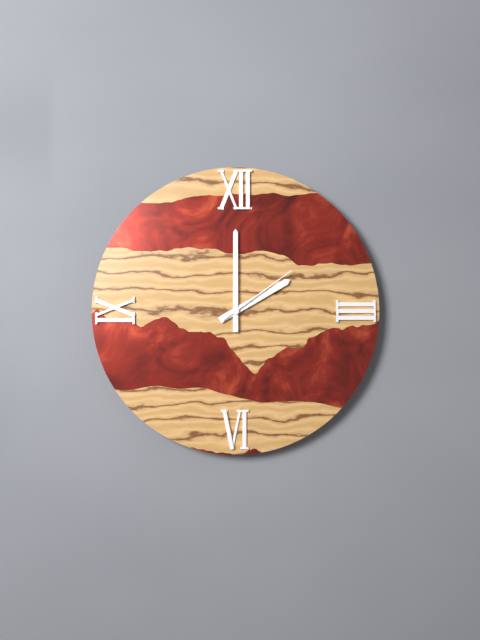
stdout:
h=2 m=0 s=9
